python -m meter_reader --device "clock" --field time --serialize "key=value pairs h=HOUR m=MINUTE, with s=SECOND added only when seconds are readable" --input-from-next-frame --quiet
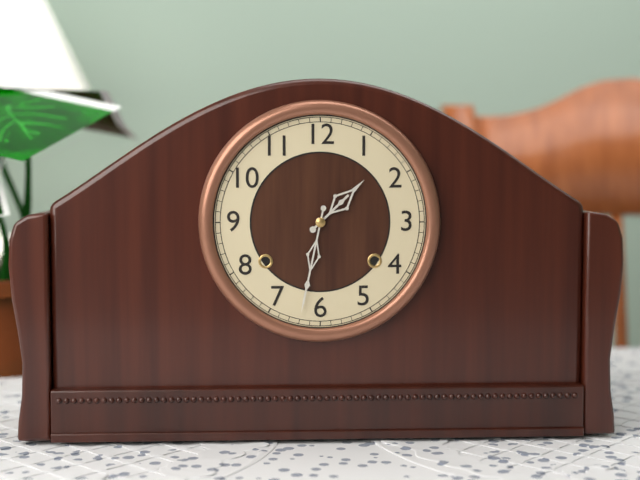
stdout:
h=1 m=32
